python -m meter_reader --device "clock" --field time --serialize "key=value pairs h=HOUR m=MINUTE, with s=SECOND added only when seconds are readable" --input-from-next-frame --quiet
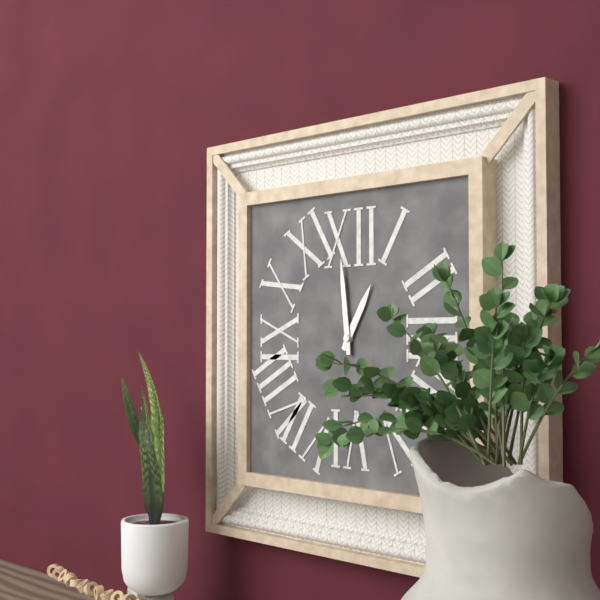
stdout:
h=12 m=59
